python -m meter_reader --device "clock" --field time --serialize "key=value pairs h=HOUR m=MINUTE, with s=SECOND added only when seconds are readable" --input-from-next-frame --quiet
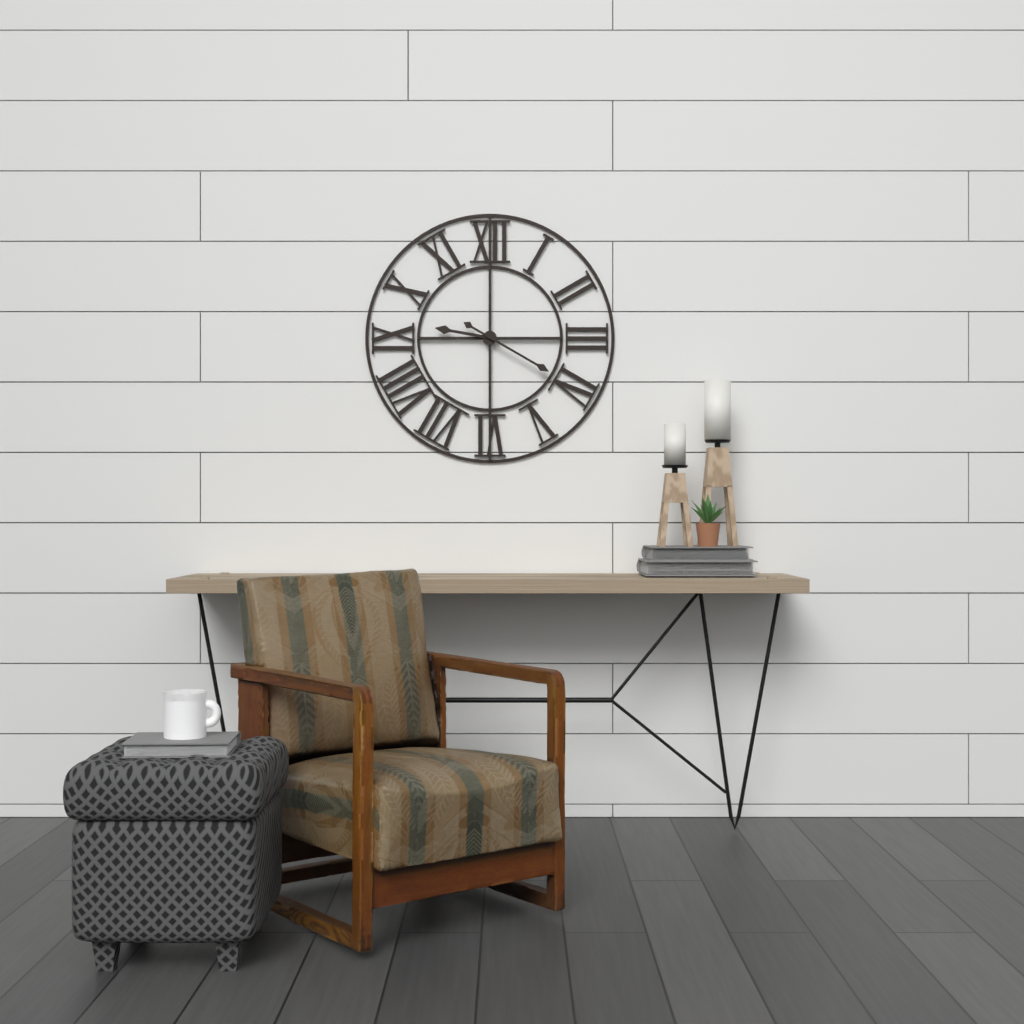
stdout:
h=9 m=20
